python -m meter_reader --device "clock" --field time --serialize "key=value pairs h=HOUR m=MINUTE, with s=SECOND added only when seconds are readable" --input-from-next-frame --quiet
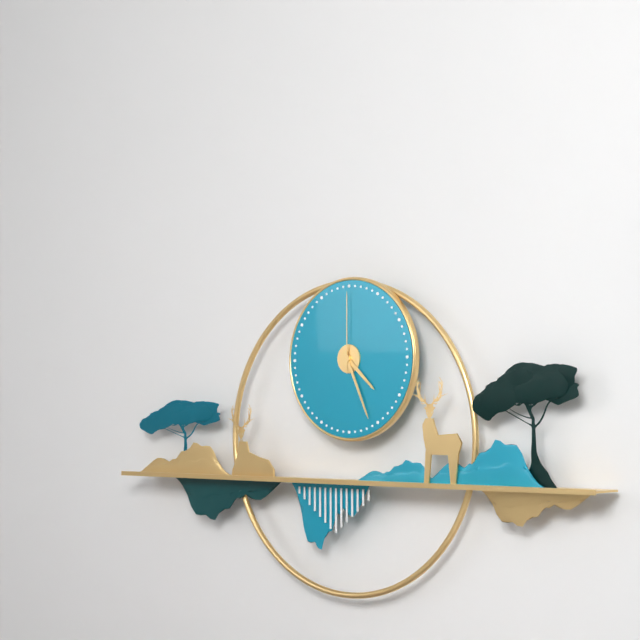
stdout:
h=4 m=26 s=0
